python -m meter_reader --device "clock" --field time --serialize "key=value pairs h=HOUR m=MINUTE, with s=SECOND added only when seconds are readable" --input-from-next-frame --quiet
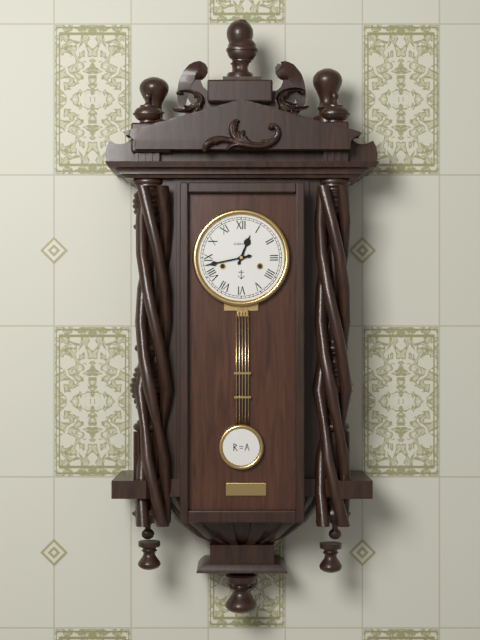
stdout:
h=12 m=43
